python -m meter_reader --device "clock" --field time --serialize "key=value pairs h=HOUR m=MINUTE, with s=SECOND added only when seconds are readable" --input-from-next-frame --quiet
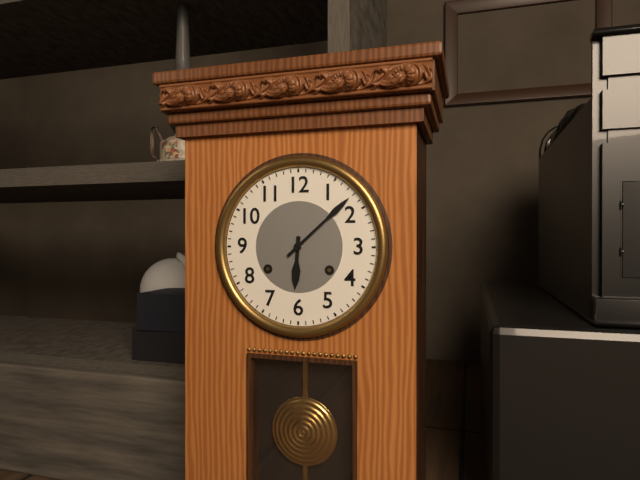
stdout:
h=6 m=8
